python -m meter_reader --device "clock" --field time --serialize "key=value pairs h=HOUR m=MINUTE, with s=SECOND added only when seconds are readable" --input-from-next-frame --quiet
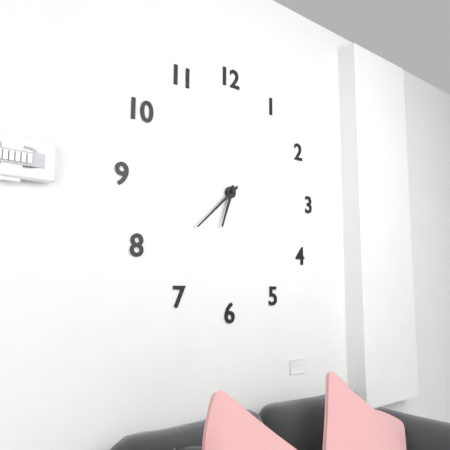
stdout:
h=6 m=38
